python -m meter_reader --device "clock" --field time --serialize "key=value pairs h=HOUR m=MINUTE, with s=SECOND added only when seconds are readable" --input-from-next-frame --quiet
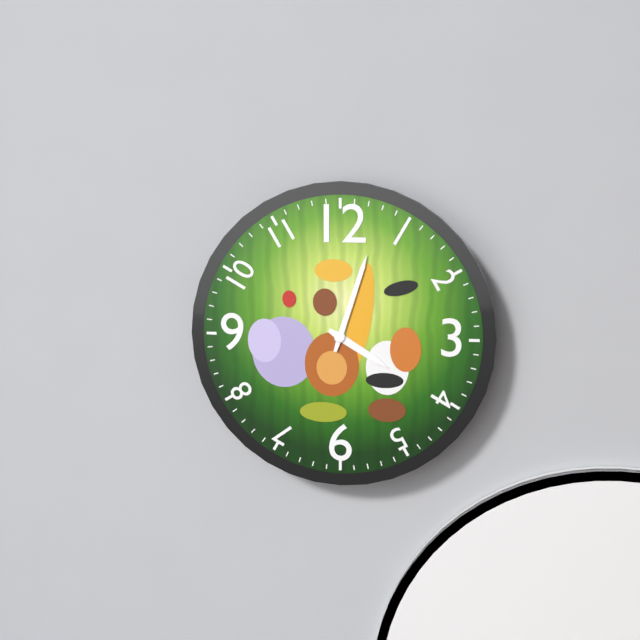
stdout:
h=4 m=3
